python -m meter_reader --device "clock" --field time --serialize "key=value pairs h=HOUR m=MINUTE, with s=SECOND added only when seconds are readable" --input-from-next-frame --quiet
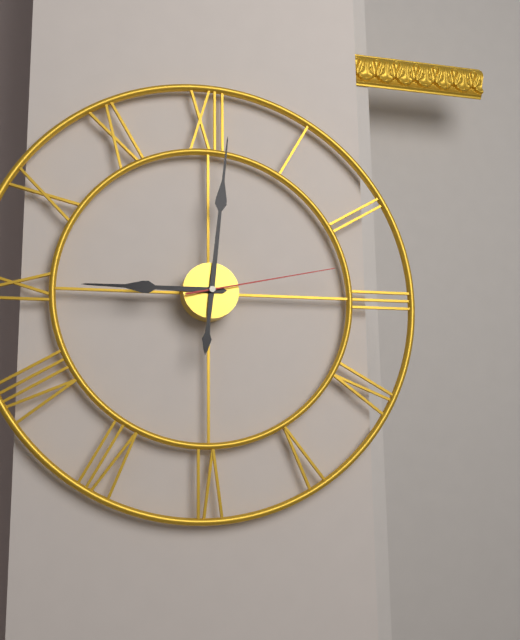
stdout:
h=9 m=1 s=13
